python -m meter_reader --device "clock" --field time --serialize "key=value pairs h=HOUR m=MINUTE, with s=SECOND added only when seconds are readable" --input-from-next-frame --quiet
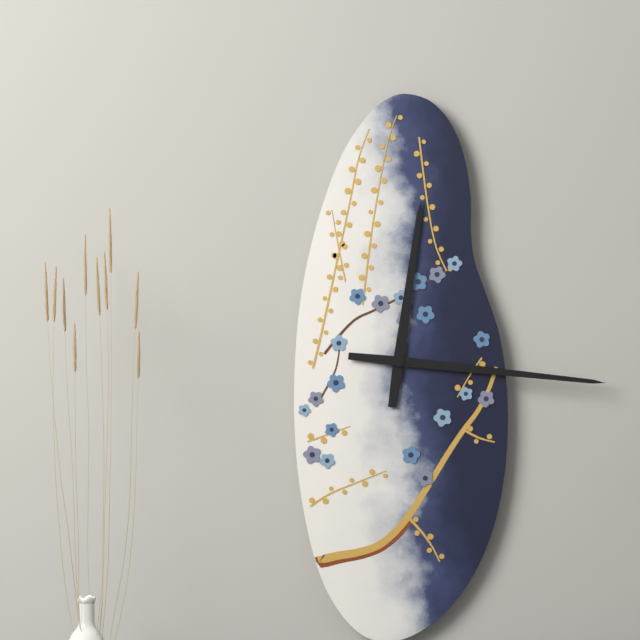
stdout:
h=12 m=16
